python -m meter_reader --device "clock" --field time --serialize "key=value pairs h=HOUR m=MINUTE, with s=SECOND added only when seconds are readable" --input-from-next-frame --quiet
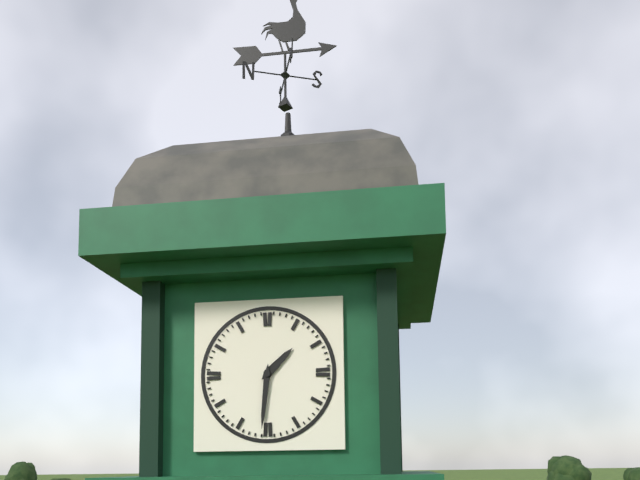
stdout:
h=1 m=31
